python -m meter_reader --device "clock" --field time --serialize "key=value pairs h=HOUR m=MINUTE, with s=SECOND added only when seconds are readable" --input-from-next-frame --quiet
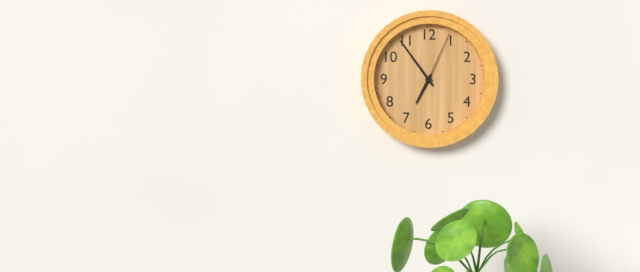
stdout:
h=6 m=54 s=4
